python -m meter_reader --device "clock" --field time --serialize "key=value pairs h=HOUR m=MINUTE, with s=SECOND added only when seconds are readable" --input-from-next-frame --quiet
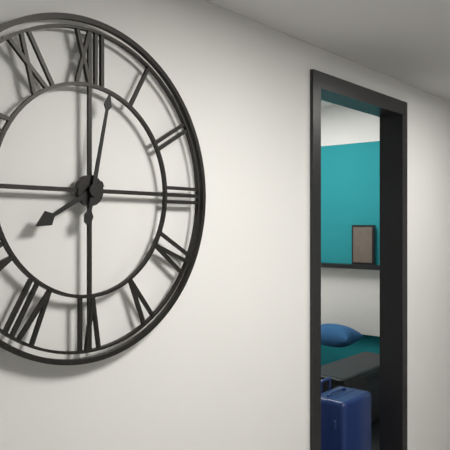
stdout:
h=8 m=2
